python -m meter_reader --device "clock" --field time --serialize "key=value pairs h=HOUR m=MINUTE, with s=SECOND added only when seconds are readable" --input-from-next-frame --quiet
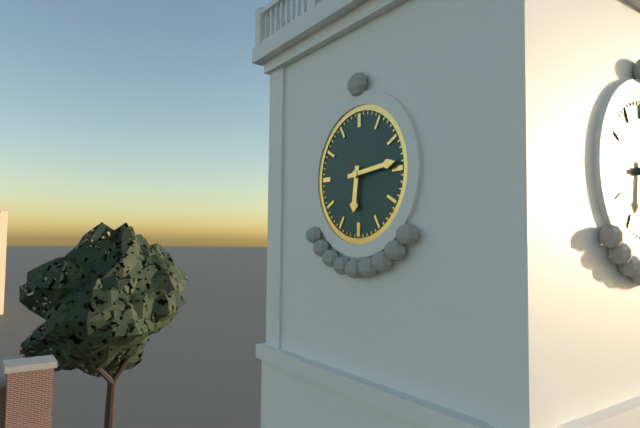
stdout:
h=6 m=14
